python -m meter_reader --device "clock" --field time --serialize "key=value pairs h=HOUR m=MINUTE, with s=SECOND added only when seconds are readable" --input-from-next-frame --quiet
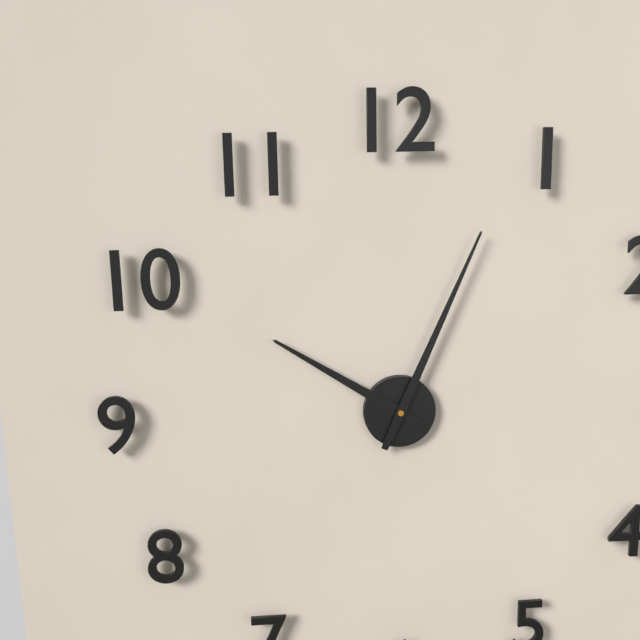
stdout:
h=10 m=4
